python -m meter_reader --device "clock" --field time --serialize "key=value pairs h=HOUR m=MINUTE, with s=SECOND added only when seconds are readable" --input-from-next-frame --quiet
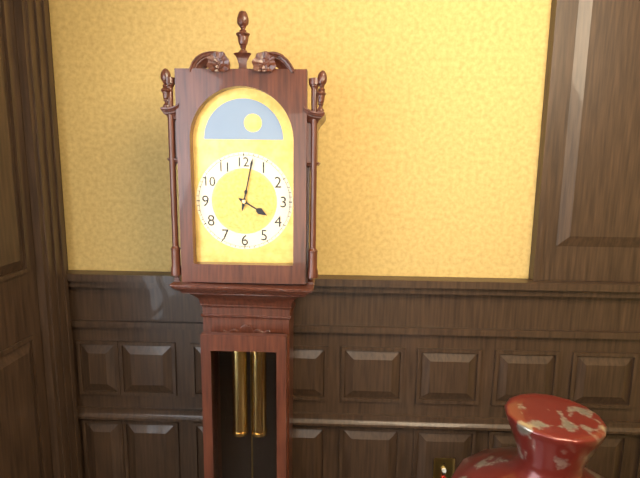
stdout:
h=4 m=2
